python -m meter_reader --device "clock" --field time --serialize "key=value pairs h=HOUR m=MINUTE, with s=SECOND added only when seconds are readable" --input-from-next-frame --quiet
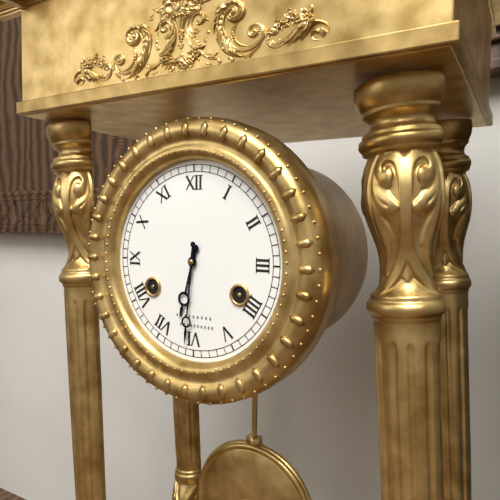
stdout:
h=6 m=31
